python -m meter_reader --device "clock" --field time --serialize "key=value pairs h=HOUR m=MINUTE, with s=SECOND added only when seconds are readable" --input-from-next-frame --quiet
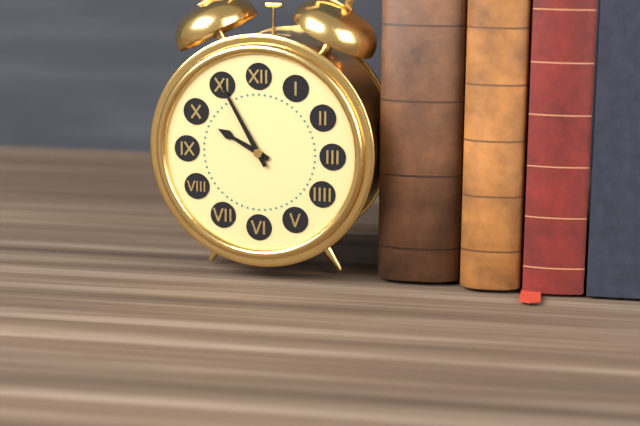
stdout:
h=9 m=55
